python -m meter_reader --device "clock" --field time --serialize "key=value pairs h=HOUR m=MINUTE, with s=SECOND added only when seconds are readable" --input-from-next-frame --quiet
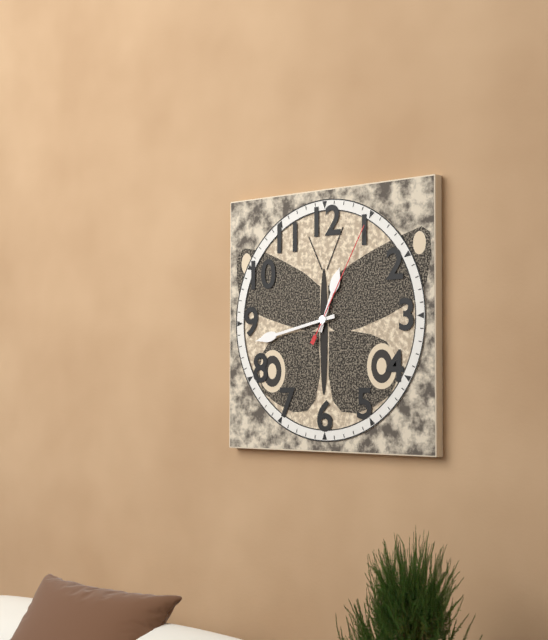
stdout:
h=12 m=43 s=5
